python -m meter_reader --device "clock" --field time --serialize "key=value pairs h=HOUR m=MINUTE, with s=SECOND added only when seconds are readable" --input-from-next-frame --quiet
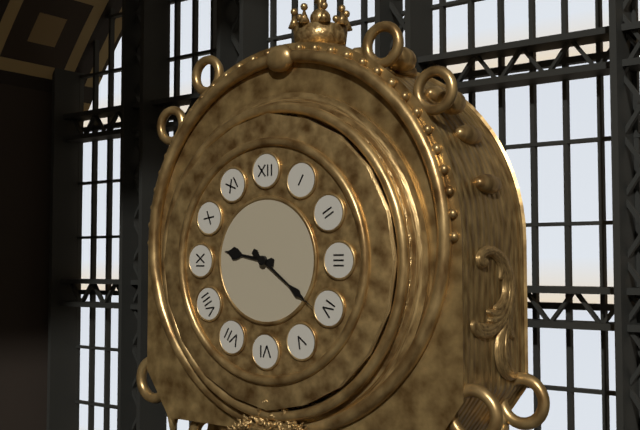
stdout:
h=9 m=21
